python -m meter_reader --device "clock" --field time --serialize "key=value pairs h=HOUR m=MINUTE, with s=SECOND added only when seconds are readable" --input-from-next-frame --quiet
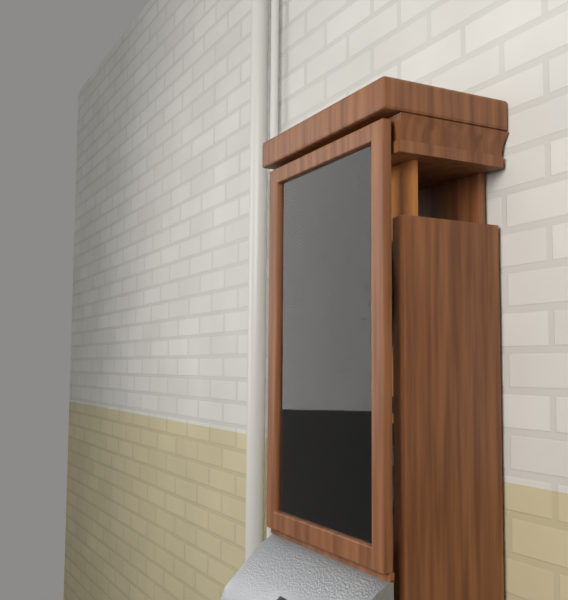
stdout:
h=1 m=5
